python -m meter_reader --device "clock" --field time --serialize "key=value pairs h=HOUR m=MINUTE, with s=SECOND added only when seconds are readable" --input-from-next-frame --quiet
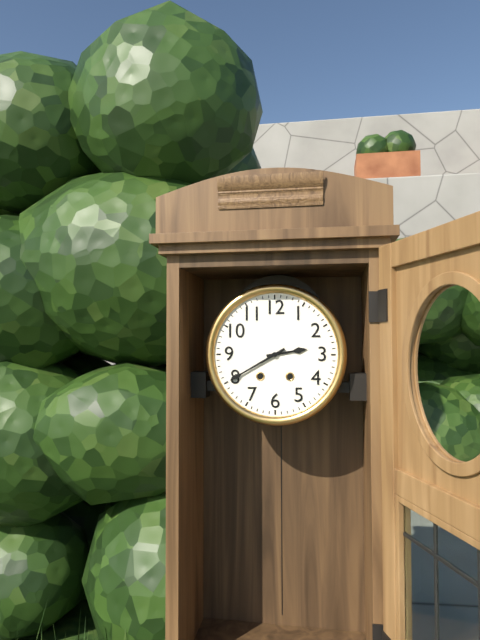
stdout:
h=2 m=40
